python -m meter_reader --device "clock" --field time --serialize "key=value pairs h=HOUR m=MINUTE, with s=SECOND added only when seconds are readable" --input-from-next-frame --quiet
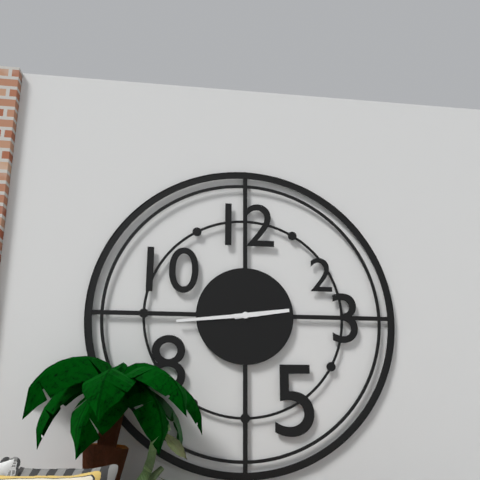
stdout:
h=2 m=44
